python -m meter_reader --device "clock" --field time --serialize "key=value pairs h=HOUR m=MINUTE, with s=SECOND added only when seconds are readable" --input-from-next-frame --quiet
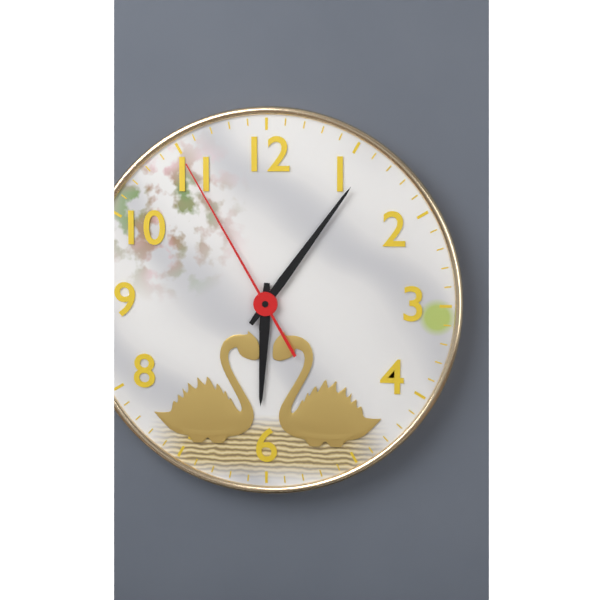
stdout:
h=6 m=6 s=55
